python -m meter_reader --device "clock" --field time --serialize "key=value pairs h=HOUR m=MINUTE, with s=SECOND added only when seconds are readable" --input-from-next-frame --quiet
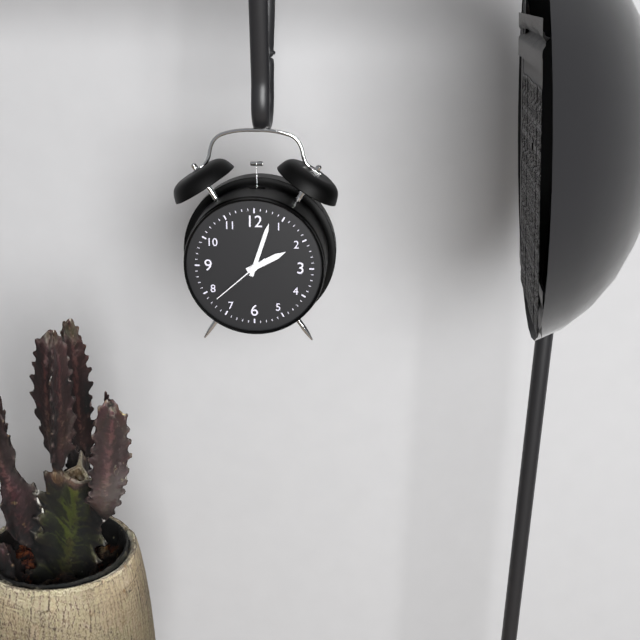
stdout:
h=2 m=3 s=38
